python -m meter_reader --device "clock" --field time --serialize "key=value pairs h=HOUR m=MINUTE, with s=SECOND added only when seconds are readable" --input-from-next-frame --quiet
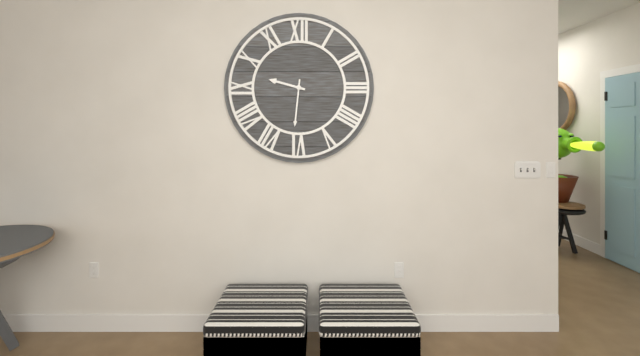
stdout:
h=9 m=31
